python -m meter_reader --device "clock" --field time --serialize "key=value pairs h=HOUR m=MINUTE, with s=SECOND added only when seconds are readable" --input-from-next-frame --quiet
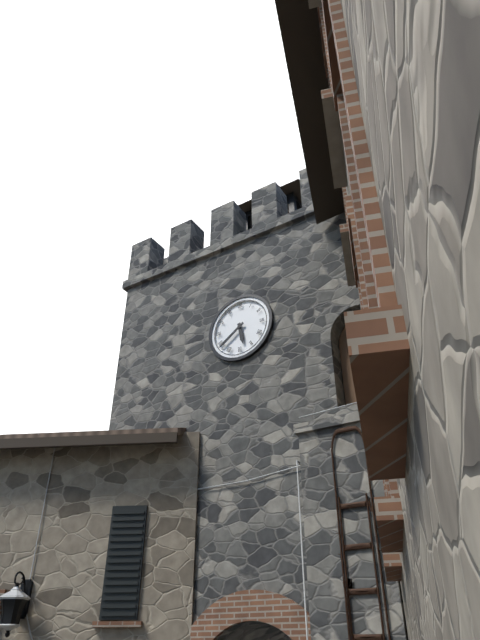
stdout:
h=5 m=39
